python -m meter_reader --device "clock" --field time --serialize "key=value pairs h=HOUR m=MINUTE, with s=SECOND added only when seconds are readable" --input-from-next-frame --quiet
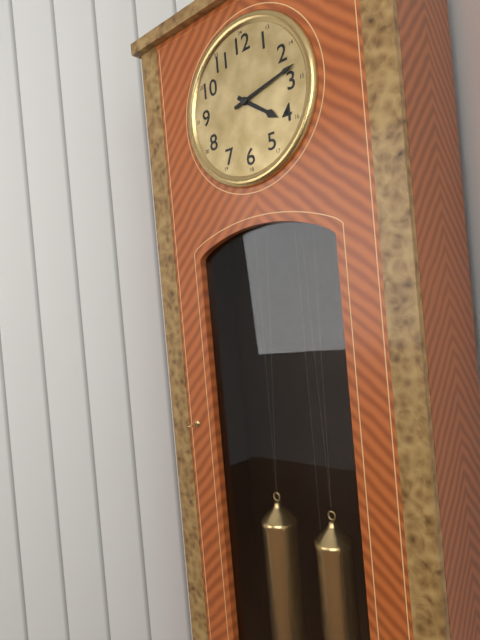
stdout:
h=4 m=13
